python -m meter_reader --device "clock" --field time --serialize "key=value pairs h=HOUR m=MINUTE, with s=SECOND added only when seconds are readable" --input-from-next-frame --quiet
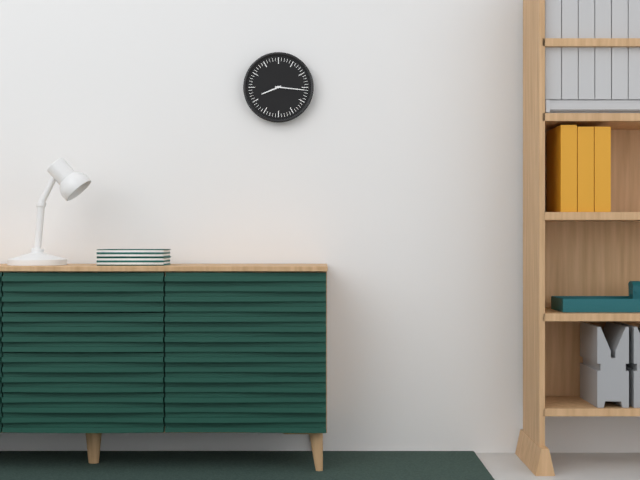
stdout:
h=8 m=16
